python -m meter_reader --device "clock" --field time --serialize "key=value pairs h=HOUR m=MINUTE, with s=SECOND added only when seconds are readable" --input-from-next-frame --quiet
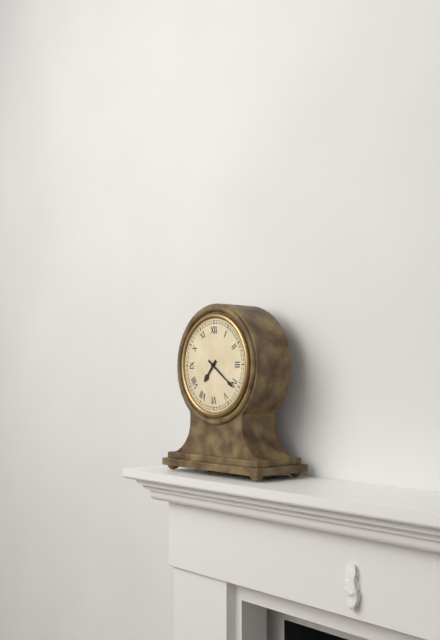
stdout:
h=7 m=21
